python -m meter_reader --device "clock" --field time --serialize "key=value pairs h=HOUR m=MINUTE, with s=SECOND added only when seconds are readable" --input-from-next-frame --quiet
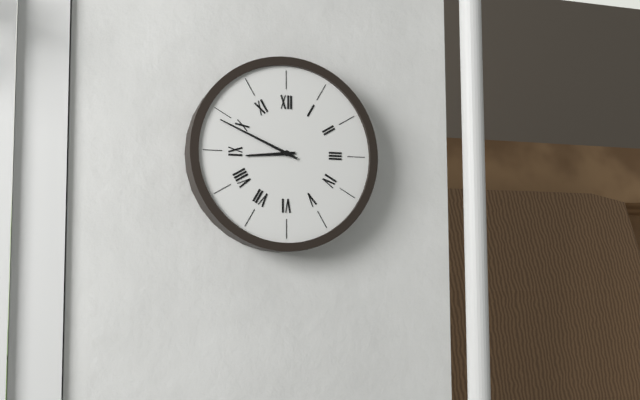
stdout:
h=8 m=49
